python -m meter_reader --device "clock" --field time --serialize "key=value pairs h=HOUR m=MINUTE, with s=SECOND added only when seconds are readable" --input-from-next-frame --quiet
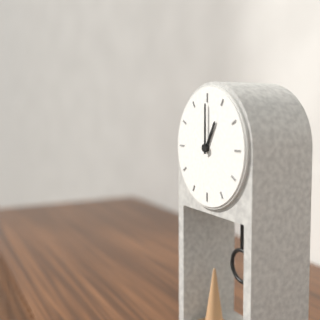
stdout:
h=1 m=0
